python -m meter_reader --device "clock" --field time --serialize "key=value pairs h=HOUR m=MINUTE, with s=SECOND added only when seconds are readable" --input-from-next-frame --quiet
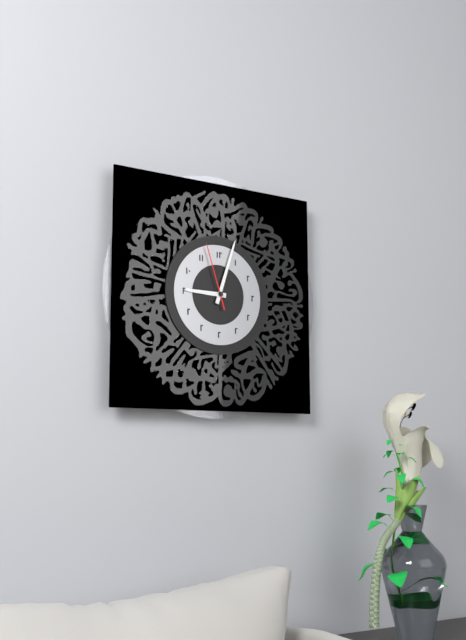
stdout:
h=9 m=3 s=57
